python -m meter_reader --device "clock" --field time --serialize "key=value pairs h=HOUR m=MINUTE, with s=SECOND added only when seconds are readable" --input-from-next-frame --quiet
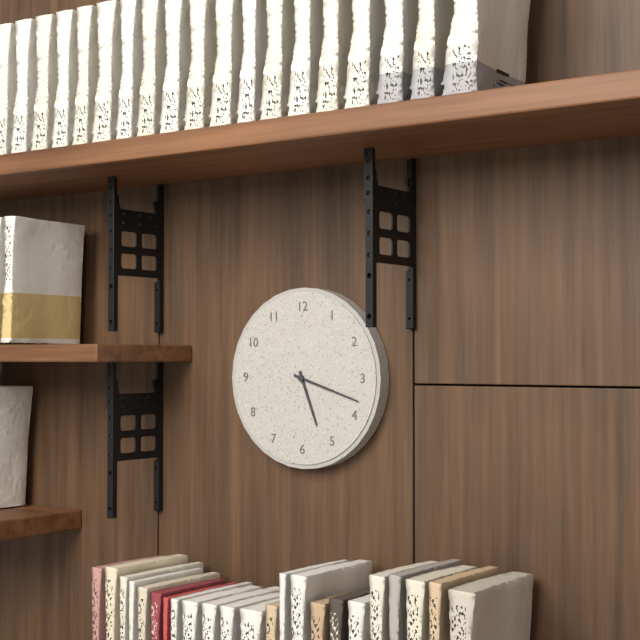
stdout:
h=5 m=18
